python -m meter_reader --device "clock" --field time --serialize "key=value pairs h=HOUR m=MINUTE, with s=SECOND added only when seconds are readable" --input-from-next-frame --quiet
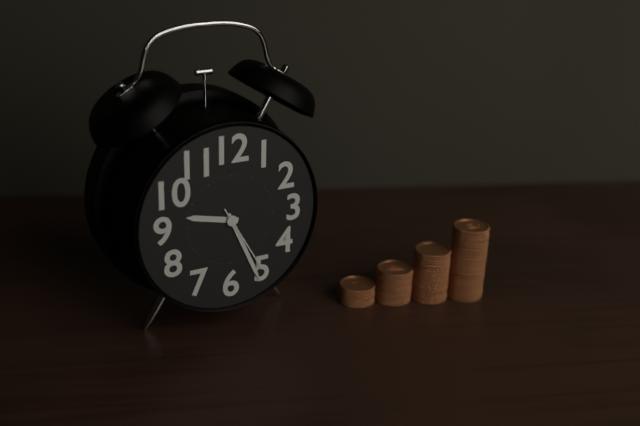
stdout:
h=9 m=26 s=25
